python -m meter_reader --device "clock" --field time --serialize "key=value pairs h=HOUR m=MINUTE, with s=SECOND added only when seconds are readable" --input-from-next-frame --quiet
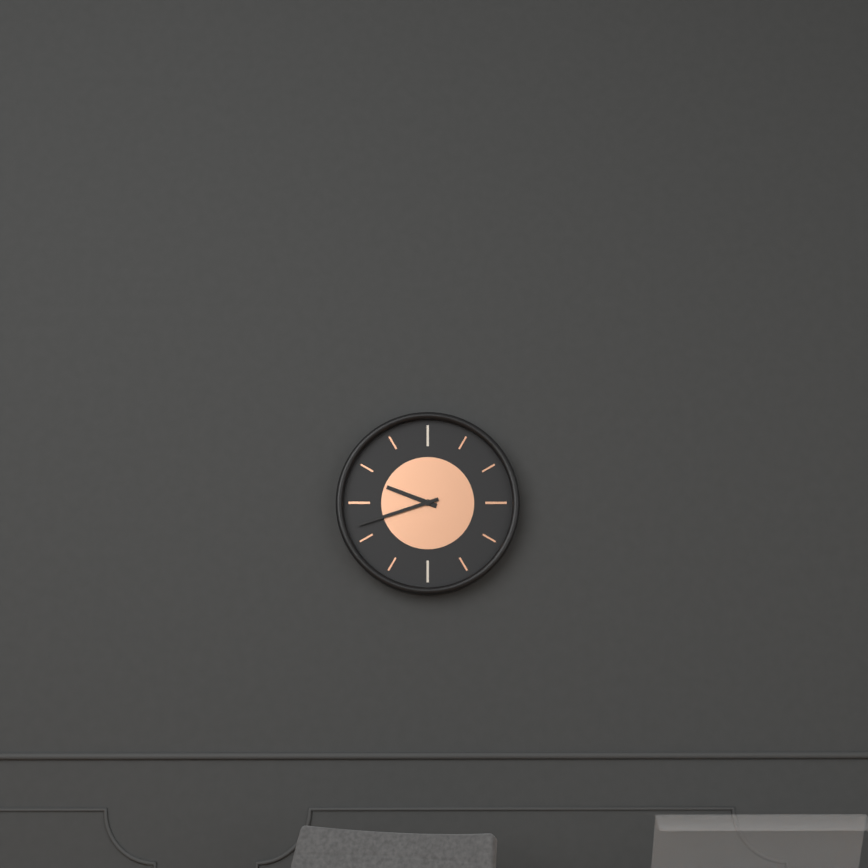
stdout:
h=9 m=42
